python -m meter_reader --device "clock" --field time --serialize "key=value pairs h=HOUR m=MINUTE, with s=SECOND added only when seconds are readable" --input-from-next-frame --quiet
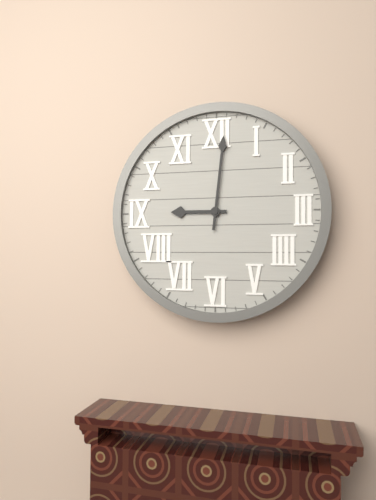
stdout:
h=9 m=1
